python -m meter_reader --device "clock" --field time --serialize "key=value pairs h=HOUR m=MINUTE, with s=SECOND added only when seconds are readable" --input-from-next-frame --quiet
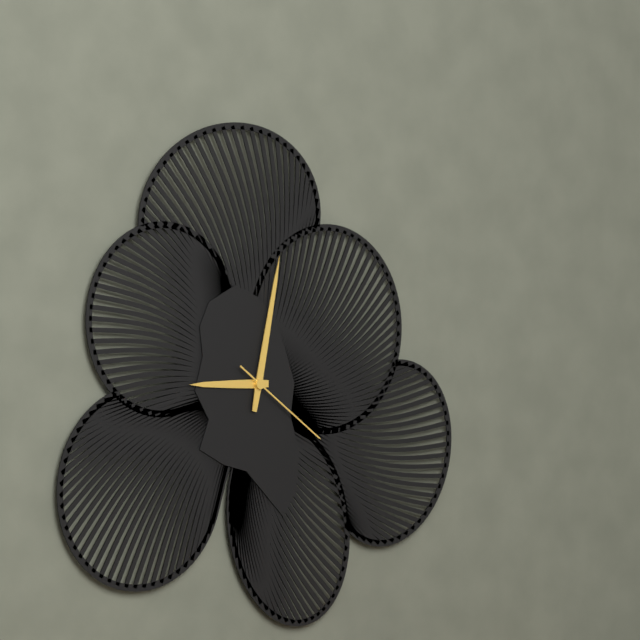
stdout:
h=9 m=2 s=21
